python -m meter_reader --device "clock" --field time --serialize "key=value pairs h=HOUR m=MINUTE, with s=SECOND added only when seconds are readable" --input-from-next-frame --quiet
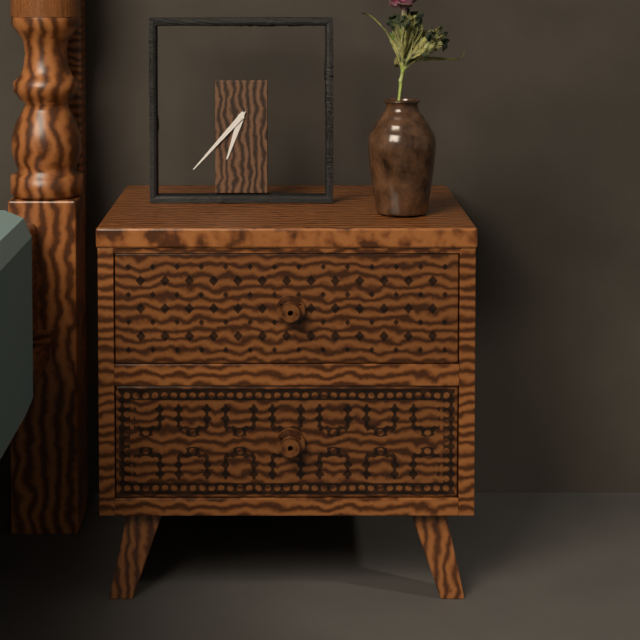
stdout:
h=6 m=37
